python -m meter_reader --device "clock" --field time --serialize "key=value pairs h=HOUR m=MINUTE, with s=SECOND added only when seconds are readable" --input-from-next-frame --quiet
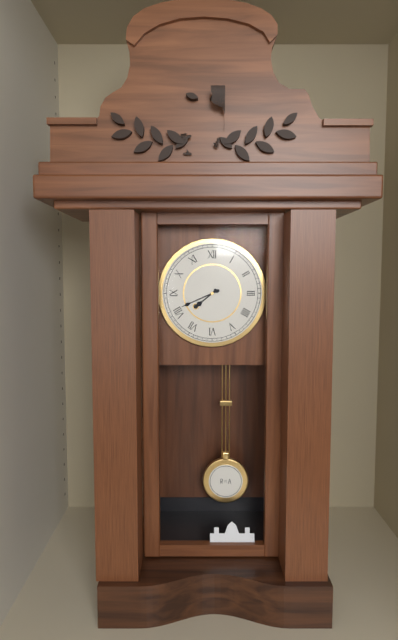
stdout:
h=7 m=41
